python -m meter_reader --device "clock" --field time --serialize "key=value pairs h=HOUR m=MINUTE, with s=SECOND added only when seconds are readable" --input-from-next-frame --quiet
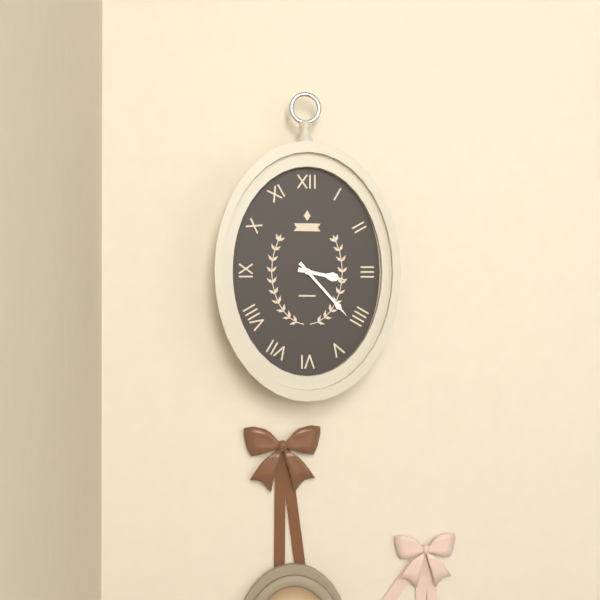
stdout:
h=3 m=23
